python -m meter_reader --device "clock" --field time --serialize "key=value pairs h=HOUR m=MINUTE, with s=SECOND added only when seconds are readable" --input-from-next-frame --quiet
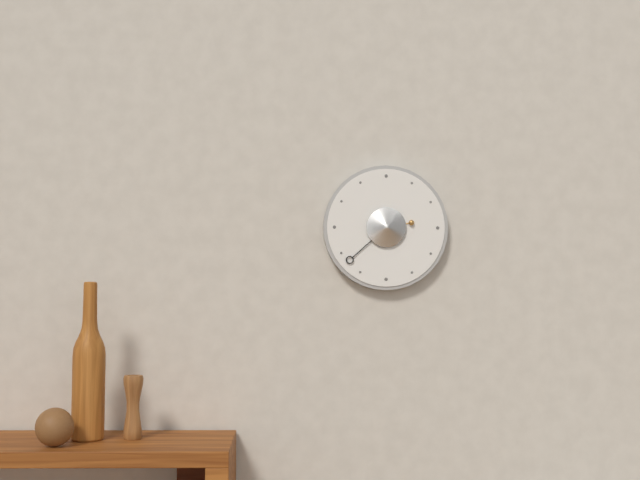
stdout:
h=2 m=38
